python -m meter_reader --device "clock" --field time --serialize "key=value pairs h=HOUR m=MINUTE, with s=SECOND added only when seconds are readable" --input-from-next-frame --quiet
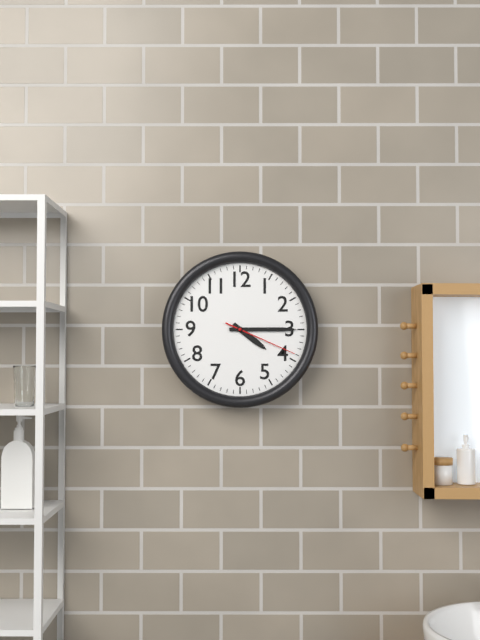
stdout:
h=4 m=15 s=19
